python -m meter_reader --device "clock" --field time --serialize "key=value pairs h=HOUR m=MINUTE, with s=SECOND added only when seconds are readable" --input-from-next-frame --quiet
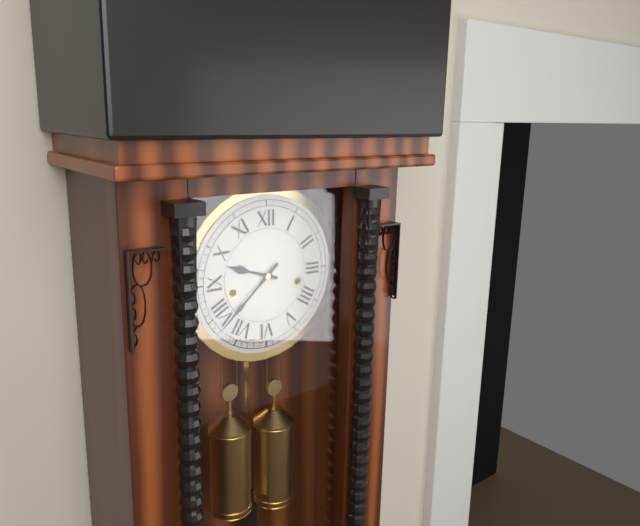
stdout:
h=9 m=38
